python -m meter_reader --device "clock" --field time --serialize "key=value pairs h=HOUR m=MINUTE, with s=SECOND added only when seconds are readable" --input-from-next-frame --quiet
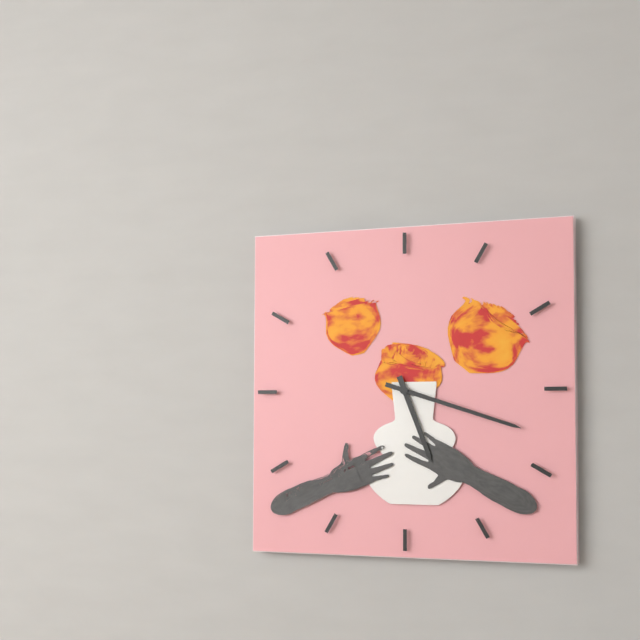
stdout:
h=5 m=18
